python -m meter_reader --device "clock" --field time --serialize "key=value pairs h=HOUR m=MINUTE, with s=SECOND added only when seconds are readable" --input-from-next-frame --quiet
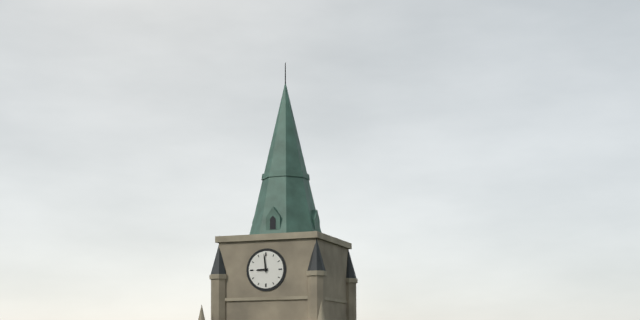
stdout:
h=8 m=59
